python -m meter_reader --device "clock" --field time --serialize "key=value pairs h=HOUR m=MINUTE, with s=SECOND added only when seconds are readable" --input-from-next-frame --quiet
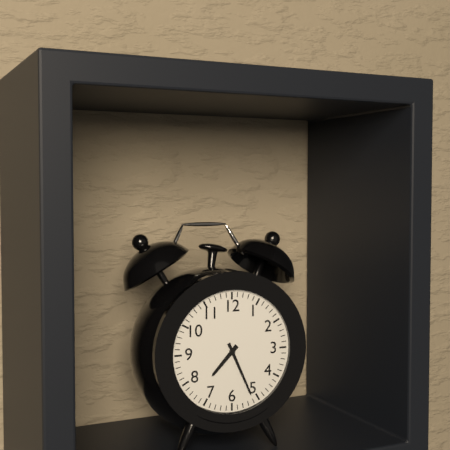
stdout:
h=7 m=26
